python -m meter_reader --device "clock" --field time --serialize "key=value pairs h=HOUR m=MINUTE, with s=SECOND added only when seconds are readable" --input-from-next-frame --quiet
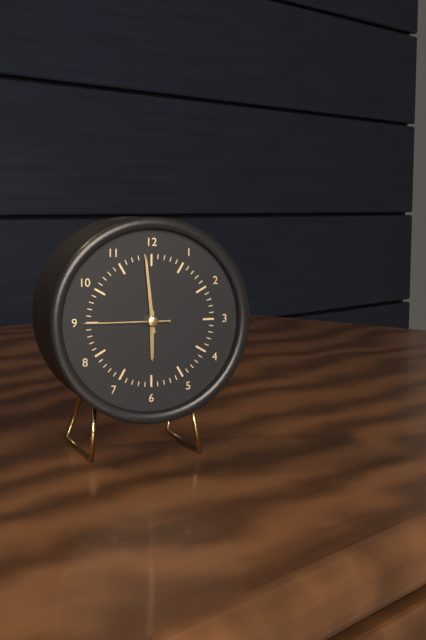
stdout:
h=5 m=59 s=45
